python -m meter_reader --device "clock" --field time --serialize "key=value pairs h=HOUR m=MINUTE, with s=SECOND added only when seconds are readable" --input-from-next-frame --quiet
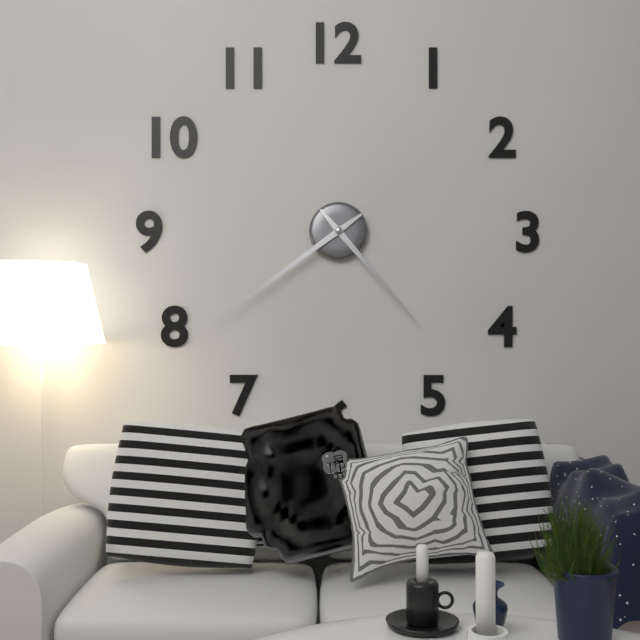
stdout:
h=4 m=39
